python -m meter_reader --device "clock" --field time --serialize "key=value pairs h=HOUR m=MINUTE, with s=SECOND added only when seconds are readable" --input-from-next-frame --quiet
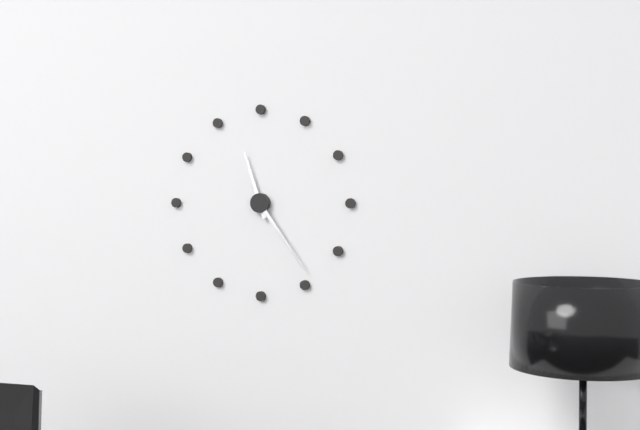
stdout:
h=11 m=24
